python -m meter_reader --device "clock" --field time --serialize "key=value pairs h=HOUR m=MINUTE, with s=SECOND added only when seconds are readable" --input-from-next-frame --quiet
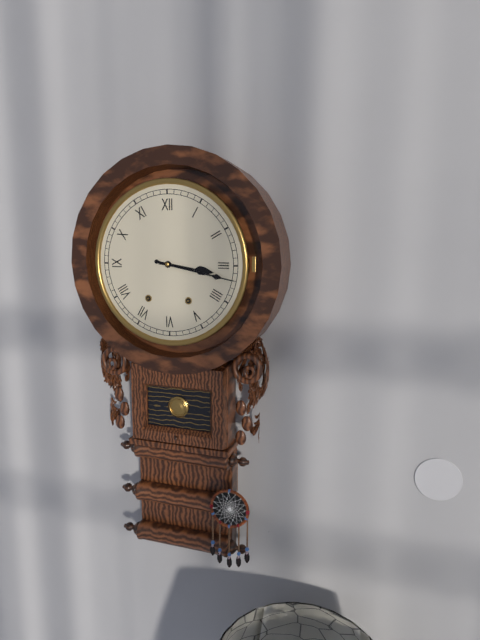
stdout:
h=3 m=17
